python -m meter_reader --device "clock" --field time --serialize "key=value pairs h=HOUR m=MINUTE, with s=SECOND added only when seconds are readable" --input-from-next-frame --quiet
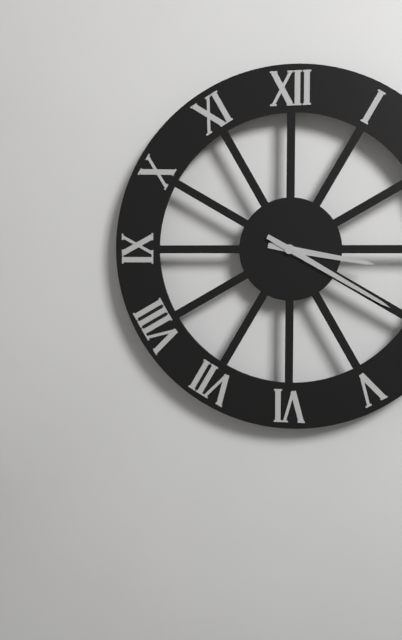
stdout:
h=3 m=20
